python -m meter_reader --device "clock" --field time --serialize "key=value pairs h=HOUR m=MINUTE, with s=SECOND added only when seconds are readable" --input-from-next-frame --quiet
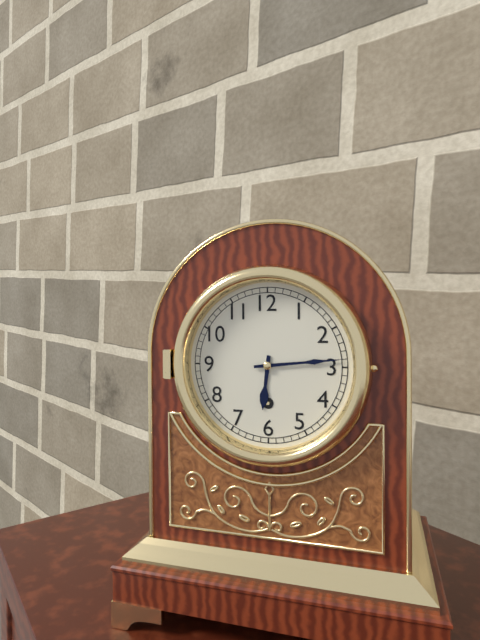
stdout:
h=6 m=14
